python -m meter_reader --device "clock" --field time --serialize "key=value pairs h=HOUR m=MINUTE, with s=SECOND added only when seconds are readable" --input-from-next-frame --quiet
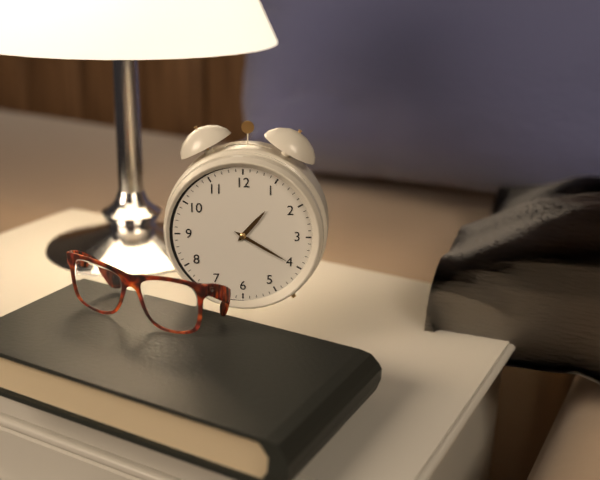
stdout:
h=1 m=20
